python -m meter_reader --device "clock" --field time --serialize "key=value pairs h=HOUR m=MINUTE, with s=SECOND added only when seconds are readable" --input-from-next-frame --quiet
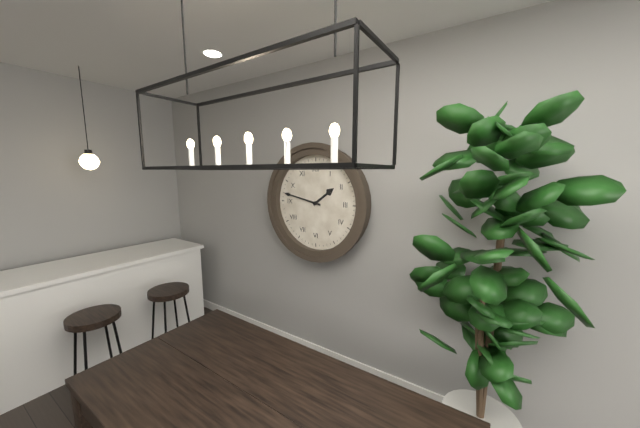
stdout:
h=1 m=47
